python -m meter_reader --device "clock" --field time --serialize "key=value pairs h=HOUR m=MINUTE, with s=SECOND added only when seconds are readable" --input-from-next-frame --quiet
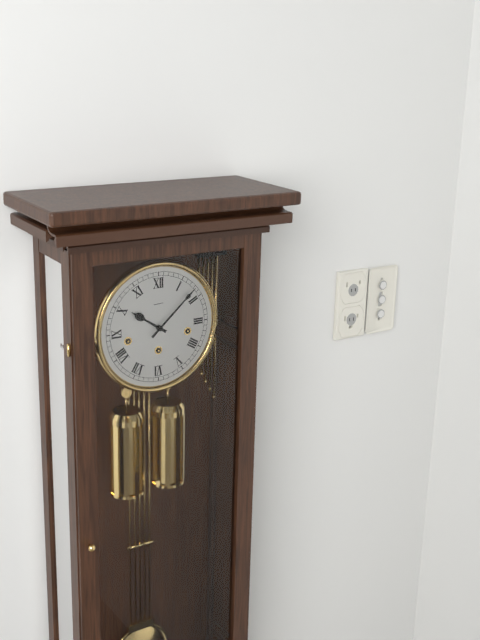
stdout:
h=10 m=8
